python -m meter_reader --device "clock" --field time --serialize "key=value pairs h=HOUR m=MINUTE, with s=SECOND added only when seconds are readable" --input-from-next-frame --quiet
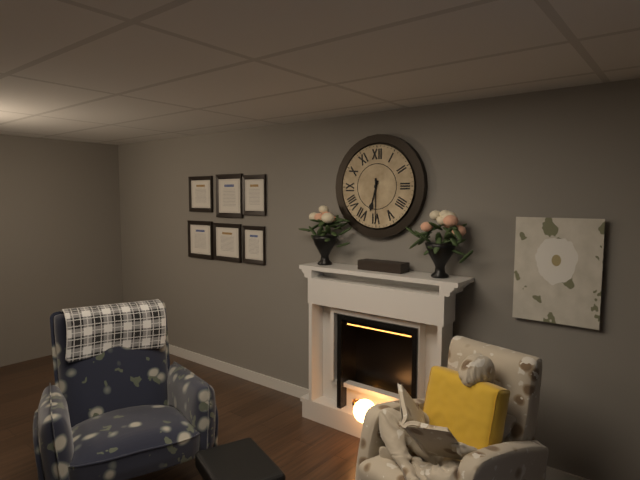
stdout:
h=6 m=30
